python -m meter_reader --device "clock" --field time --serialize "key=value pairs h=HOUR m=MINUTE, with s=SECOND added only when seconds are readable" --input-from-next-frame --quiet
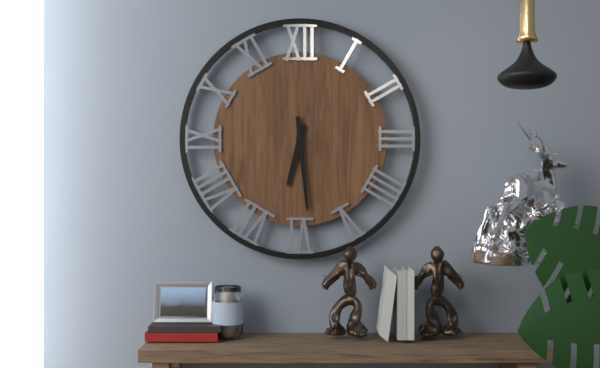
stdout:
h=6 m=29
